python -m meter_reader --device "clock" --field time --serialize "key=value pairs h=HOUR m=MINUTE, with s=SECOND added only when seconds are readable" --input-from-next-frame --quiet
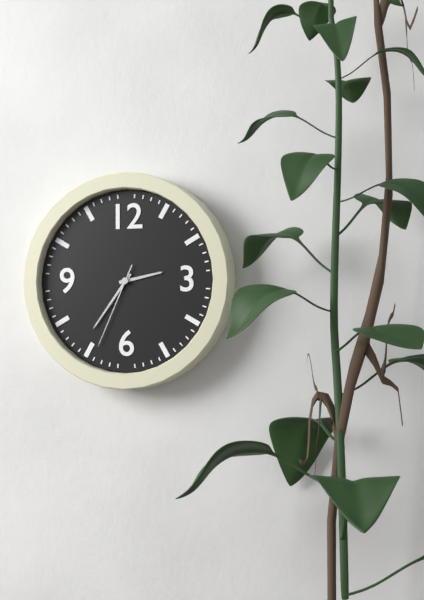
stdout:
h=2 m=36 s=34
